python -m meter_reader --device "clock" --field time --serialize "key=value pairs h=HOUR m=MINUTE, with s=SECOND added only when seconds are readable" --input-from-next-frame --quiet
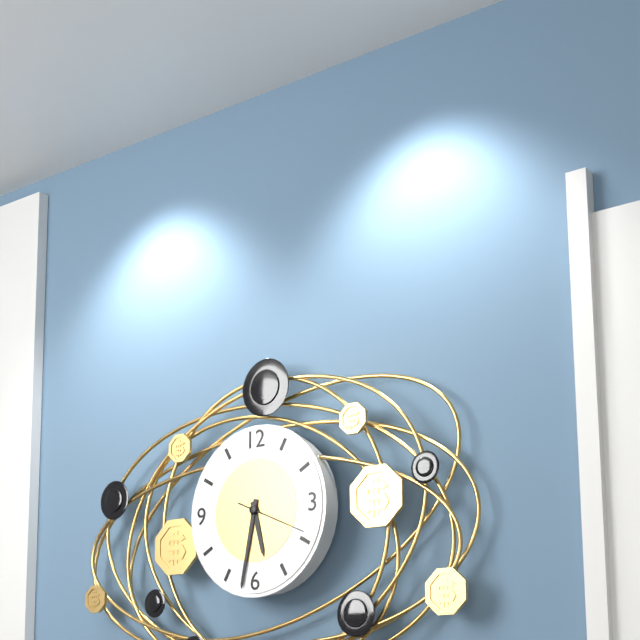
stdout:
h=5 m=32 s=19
